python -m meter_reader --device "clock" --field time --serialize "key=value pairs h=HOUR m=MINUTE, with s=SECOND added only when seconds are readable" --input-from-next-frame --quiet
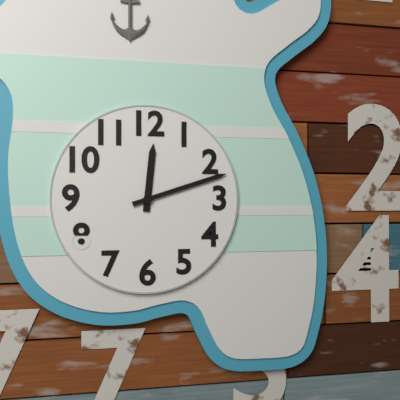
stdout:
h=12 m=12
